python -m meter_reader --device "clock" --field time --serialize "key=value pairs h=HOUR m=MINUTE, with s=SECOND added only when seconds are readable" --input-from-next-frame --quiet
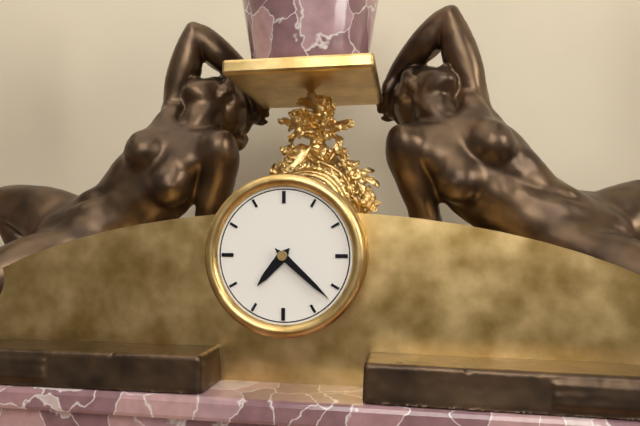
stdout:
h=7 m=22
